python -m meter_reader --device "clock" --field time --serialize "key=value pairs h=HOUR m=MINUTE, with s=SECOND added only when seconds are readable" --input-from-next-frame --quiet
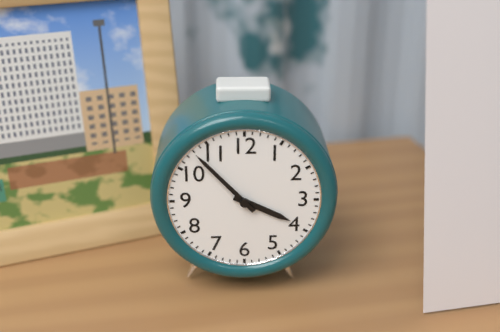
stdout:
h=3 m=53
